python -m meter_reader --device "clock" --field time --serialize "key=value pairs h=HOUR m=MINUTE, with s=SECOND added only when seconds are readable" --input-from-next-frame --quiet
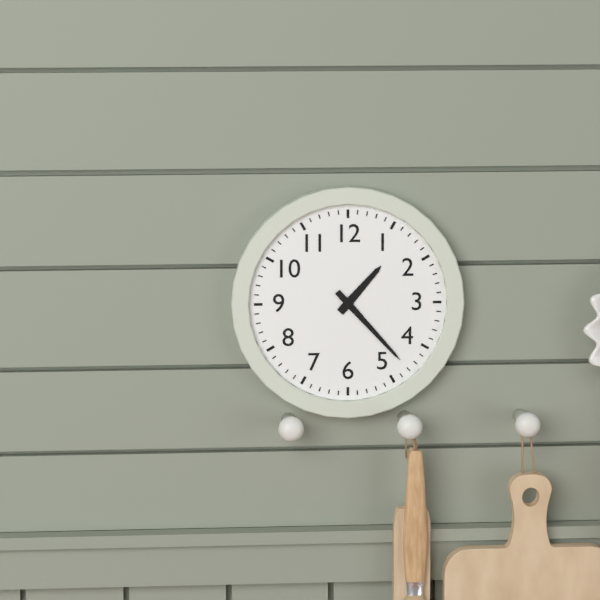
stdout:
h=1 m=23
